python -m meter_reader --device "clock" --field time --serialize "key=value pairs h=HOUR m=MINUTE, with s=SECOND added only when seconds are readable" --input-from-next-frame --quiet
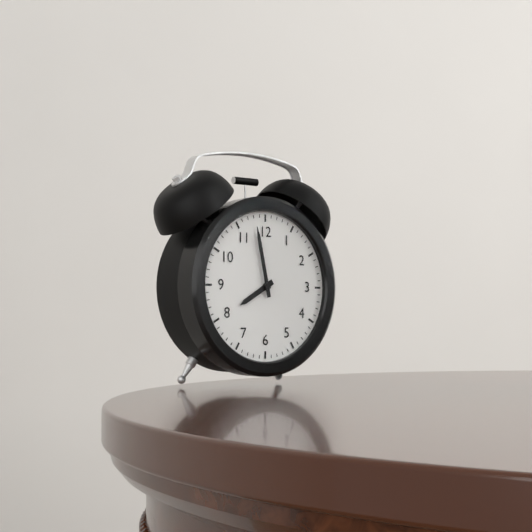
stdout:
h=7 m=58
